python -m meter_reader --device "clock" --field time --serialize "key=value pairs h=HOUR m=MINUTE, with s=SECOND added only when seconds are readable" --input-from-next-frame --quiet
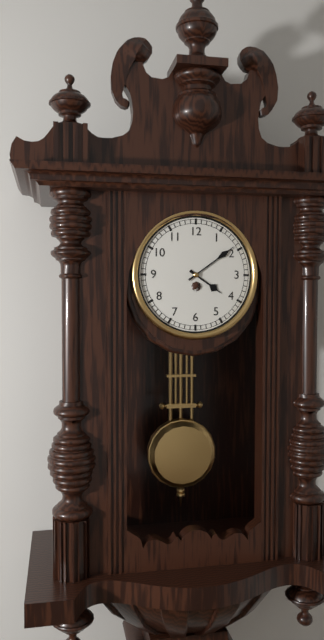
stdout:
h=4 m=9
